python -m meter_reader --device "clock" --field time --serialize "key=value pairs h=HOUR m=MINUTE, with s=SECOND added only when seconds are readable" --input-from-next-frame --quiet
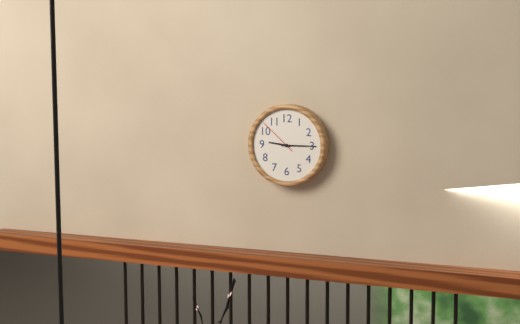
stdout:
h=9 m=15
